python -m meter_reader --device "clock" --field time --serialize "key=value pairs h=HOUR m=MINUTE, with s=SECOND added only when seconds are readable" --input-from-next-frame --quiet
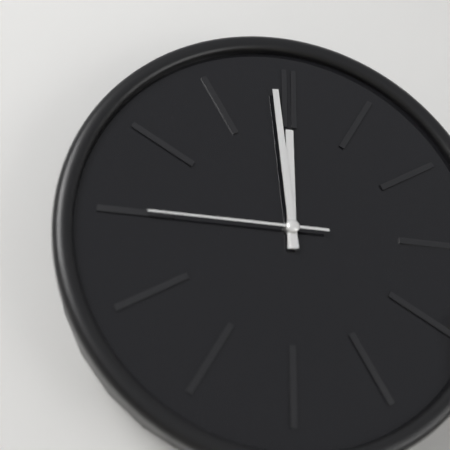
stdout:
h=11 m=59 s=45
